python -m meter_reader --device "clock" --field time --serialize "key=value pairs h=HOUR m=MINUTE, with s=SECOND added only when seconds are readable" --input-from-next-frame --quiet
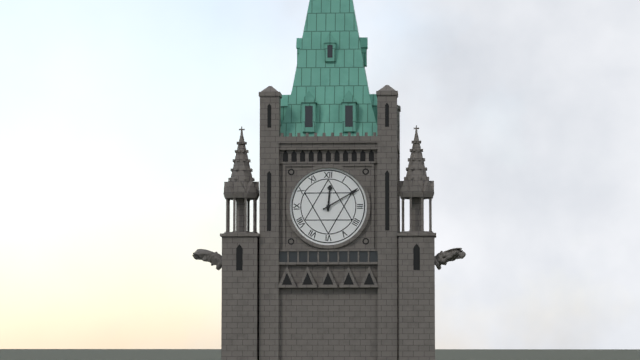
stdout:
h=12 m=10
